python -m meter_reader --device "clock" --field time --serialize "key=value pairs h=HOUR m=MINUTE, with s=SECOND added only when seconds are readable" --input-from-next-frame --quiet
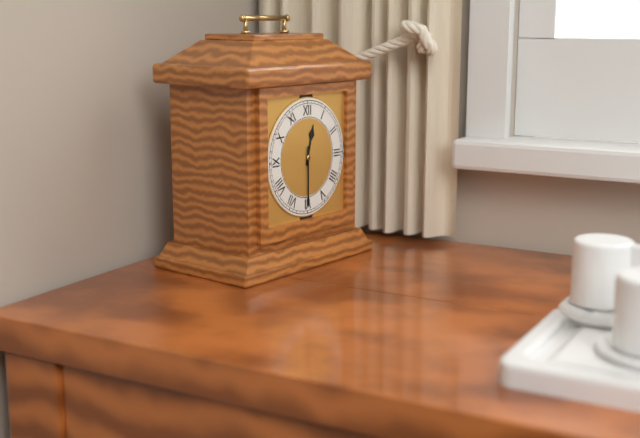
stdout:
h=12 m=30
